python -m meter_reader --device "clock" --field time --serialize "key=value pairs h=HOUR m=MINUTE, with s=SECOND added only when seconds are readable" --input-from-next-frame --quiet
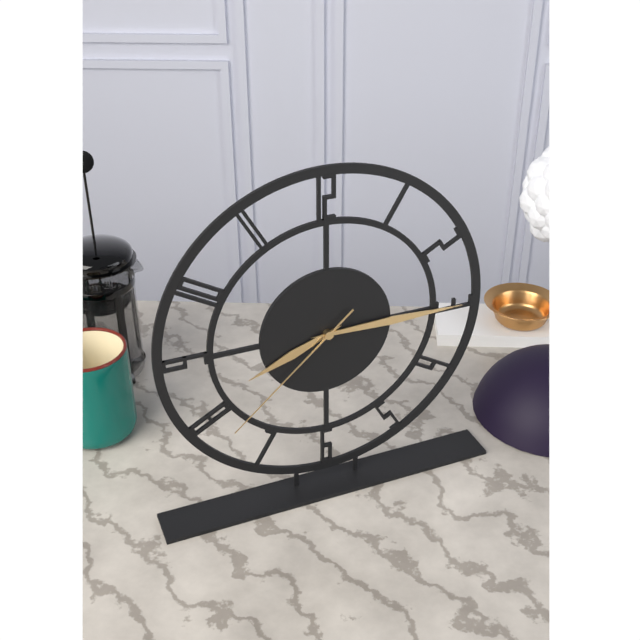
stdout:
h=8 m=15 s=38
